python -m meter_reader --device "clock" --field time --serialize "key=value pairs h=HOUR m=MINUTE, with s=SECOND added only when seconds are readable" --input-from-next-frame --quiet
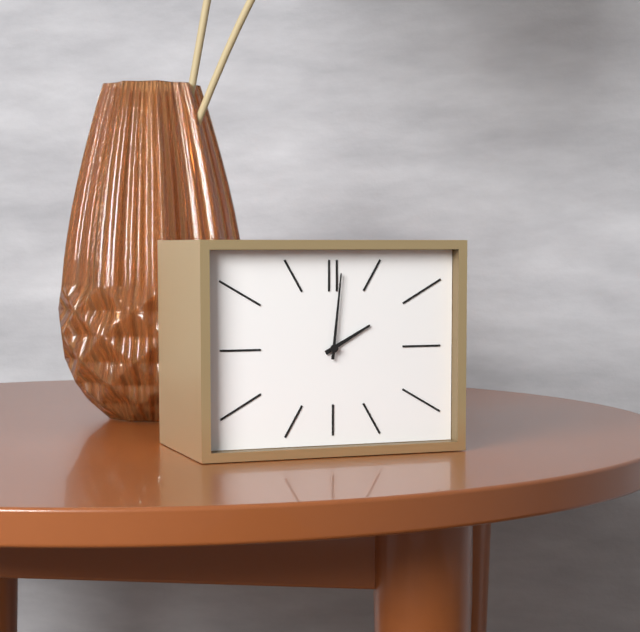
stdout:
h=2 m=1
